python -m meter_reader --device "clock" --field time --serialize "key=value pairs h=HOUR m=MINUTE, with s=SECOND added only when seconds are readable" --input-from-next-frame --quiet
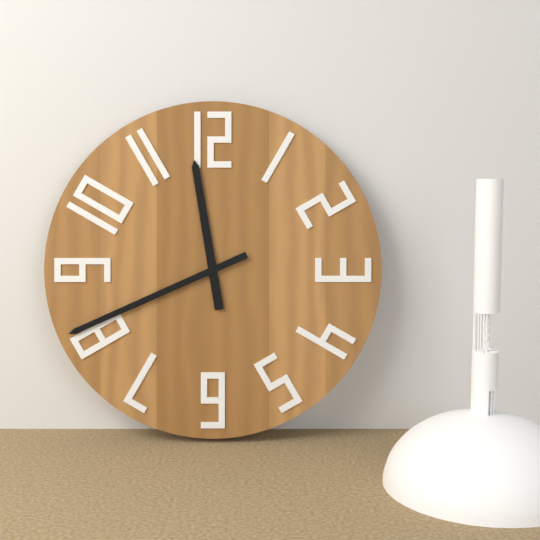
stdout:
h=11 m=41
